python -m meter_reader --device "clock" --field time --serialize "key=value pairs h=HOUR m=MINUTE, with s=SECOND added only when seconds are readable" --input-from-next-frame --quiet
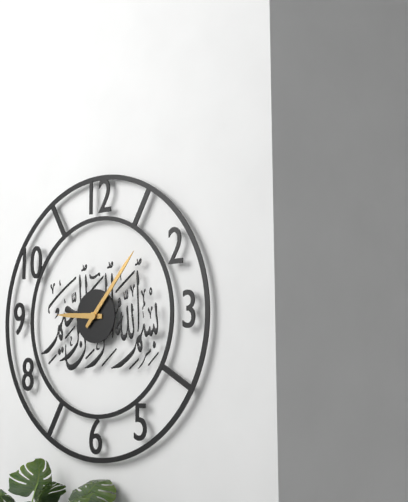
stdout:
h=9 m=7
